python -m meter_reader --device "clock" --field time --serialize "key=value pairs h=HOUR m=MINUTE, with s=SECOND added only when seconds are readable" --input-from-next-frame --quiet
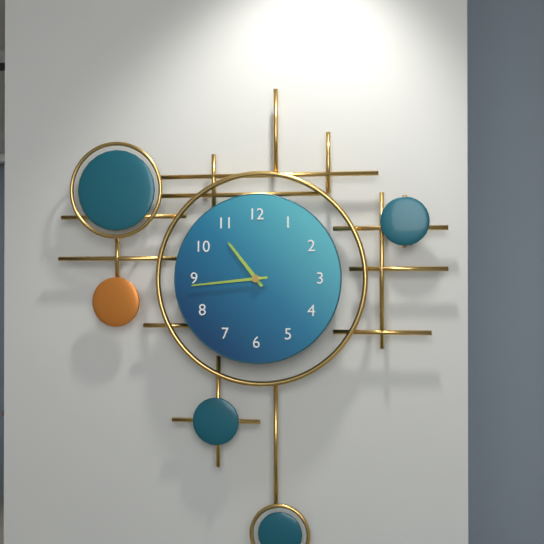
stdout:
h=10 m=44
